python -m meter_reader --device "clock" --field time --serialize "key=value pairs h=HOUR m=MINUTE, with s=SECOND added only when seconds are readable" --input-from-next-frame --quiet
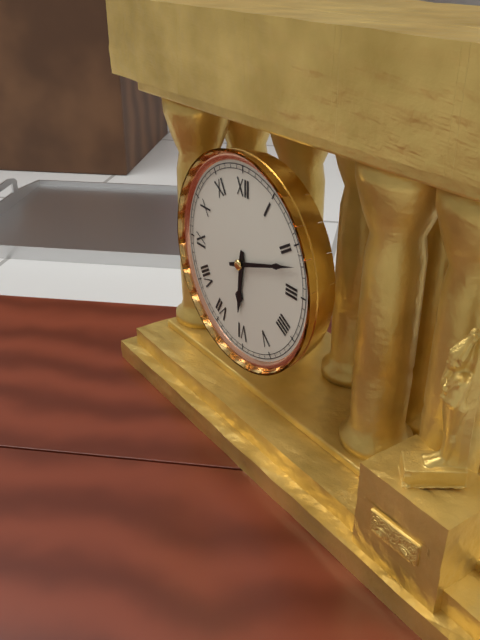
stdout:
h=6 m=12
